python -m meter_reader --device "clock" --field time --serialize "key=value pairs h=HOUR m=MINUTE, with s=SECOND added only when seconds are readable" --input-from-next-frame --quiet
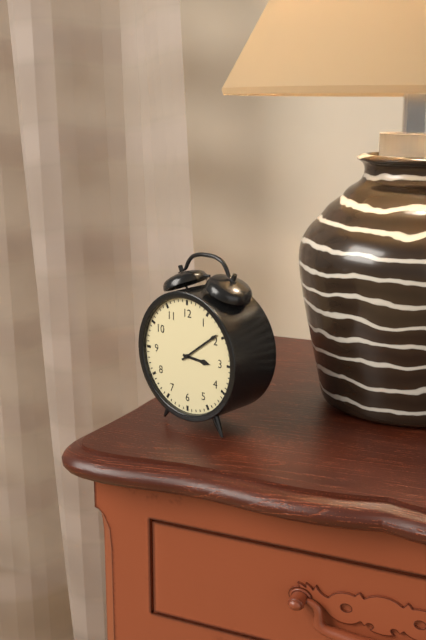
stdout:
h=3 m=9
